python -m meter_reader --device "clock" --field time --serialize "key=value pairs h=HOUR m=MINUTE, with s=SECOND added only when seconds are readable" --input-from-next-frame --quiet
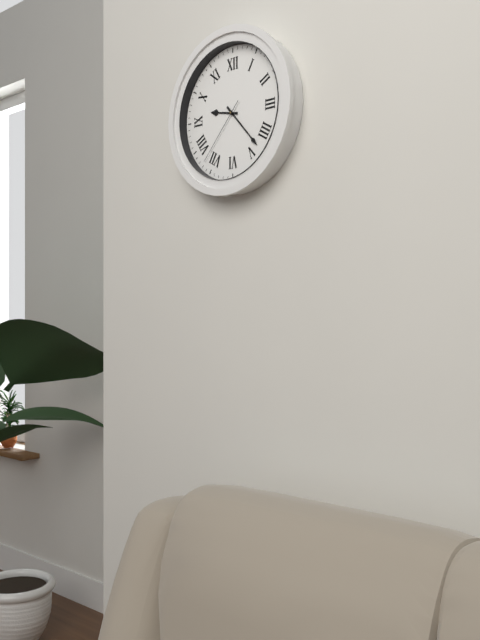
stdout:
h=9 m=23 s=37
